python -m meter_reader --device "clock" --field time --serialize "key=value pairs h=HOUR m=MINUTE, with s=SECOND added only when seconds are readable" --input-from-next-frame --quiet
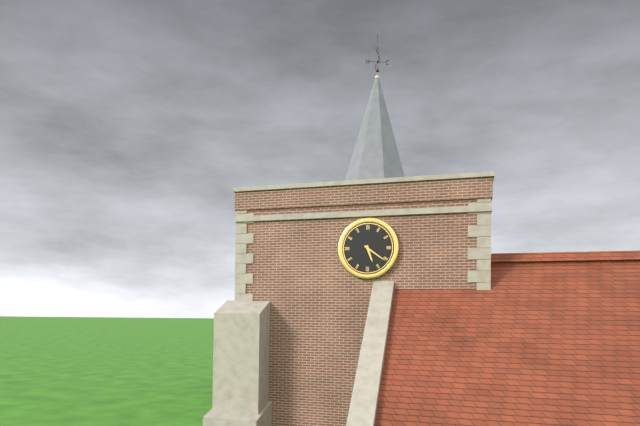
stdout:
h=5 m=21
